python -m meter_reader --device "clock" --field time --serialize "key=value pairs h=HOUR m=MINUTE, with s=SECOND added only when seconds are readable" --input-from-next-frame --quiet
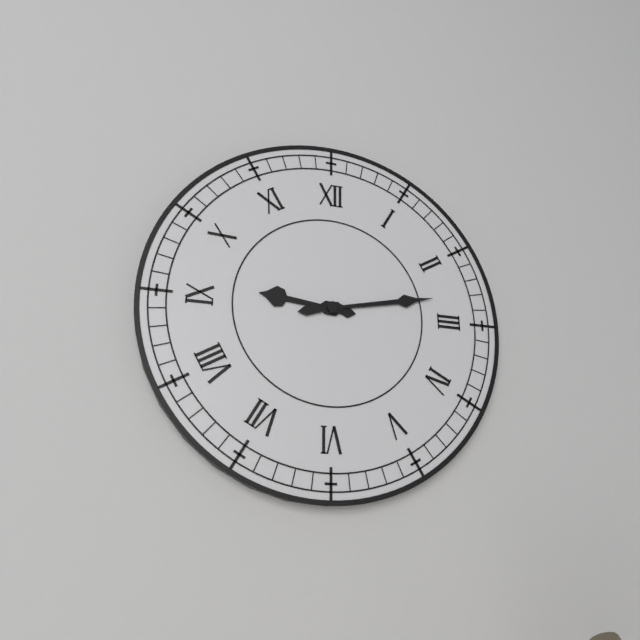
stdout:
h=9 m=13
